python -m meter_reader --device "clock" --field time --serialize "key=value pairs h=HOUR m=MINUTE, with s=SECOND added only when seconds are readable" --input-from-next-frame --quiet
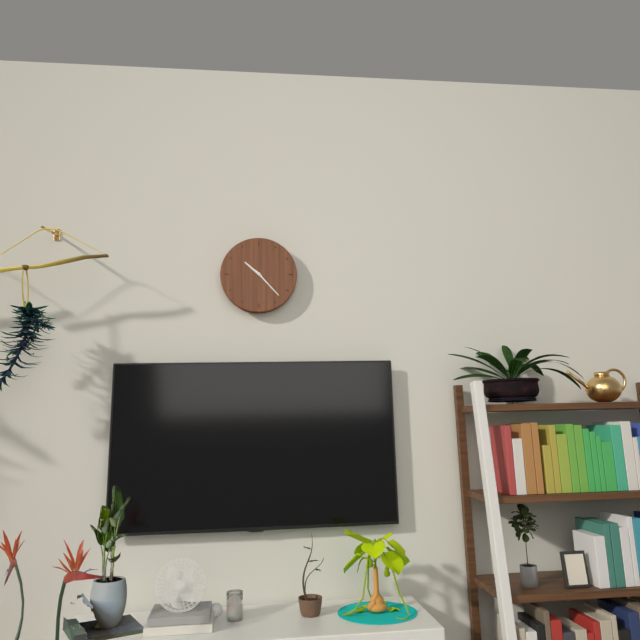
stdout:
h=10 m=23
